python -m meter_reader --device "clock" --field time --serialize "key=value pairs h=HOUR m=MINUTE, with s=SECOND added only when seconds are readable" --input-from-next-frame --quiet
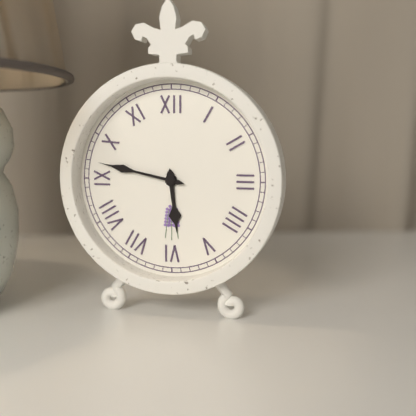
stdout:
h=5 m=47
